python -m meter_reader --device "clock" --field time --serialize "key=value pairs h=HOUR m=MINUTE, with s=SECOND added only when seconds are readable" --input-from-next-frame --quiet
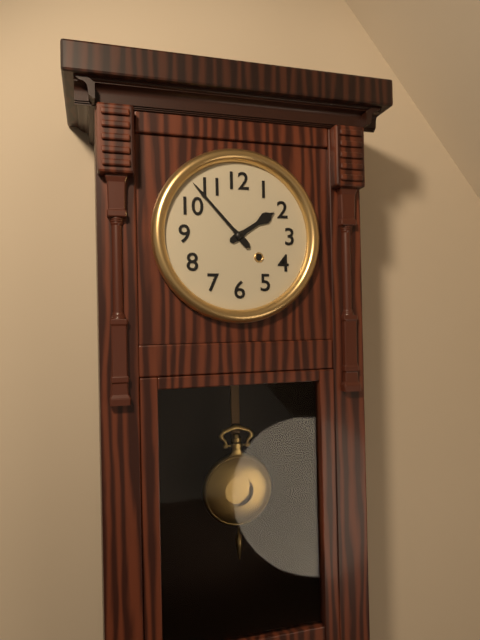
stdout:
h=1 m=53
